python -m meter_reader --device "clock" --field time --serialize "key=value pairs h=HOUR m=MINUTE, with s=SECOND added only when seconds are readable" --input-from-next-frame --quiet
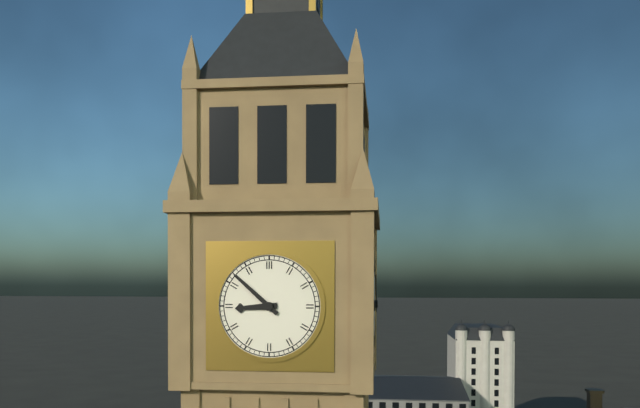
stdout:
h=8 m=52
